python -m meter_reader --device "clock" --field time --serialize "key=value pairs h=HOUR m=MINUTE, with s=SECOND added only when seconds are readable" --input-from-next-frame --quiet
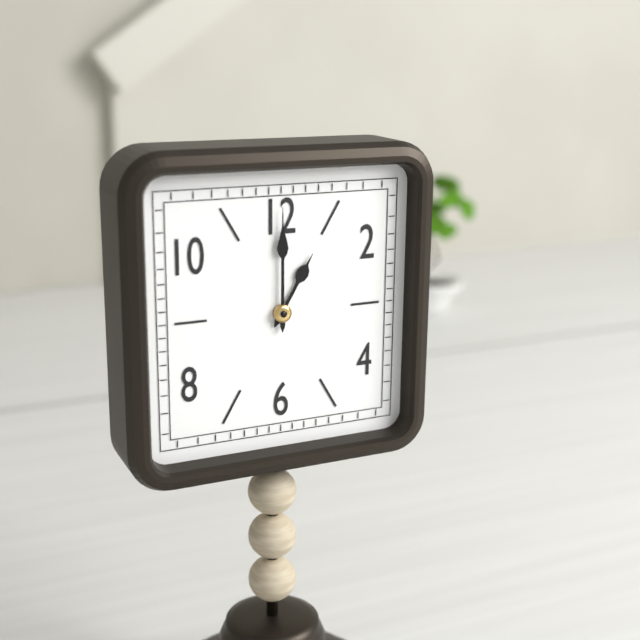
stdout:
h=1 m=0
